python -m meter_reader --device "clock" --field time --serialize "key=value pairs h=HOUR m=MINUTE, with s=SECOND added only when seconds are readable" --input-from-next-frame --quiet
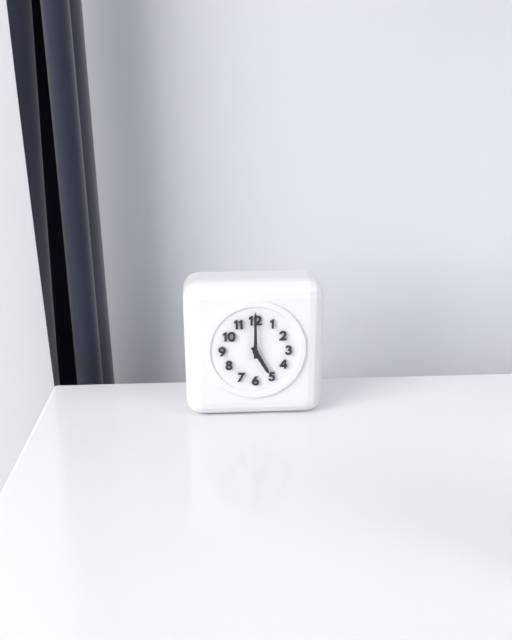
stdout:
h=5 m=0
